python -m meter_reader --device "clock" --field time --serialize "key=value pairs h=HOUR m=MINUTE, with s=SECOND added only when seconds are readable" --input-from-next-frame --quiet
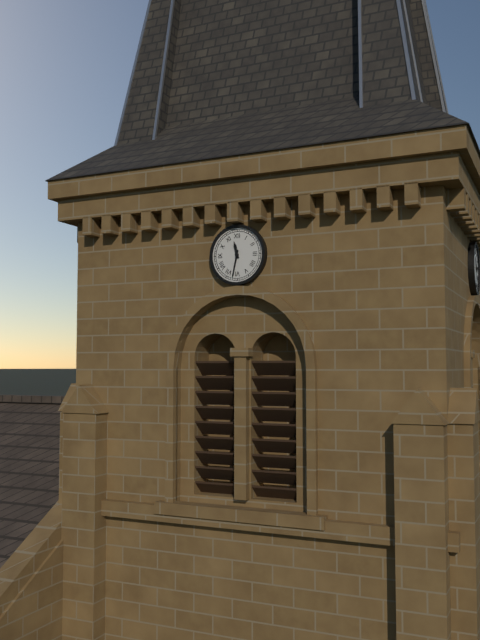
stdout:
h=11 m=32
